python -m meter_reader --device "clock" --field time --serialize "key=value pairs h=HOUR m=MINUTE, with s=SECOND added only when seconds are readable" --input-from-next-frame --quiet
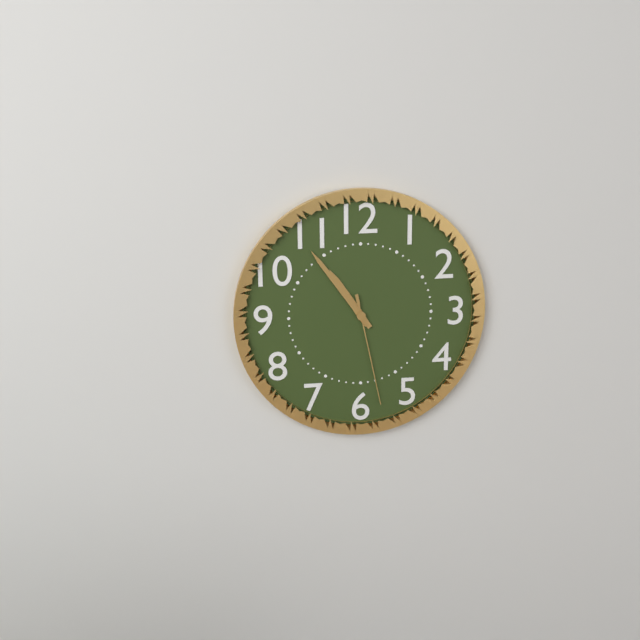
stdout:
h=10 m=54 s=28
